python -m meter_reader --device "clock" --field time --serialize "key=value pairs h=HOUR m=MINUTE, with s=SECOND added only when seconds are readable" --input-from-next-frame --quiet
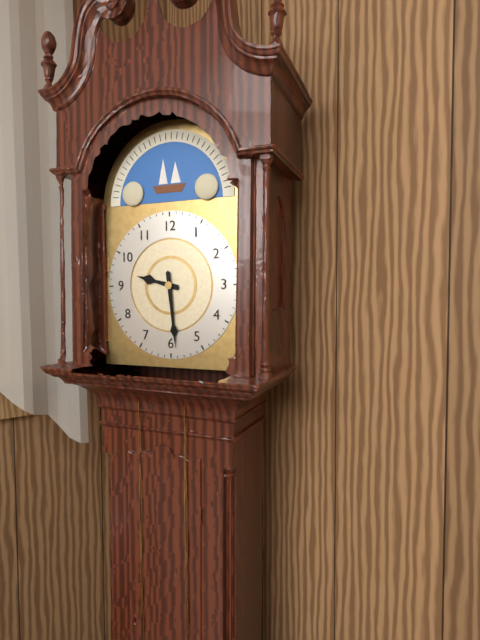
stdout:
h=9 m=29
